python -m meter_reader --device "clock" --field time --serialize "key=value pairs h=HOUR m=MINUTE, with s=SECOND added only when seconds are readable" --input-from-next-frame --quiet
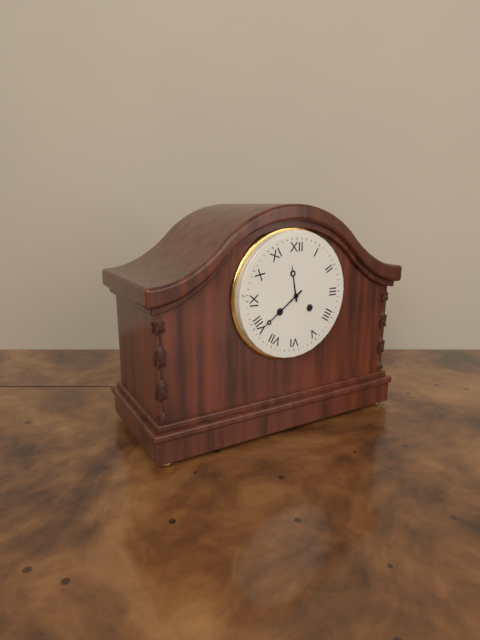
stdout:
h=11 m=39
